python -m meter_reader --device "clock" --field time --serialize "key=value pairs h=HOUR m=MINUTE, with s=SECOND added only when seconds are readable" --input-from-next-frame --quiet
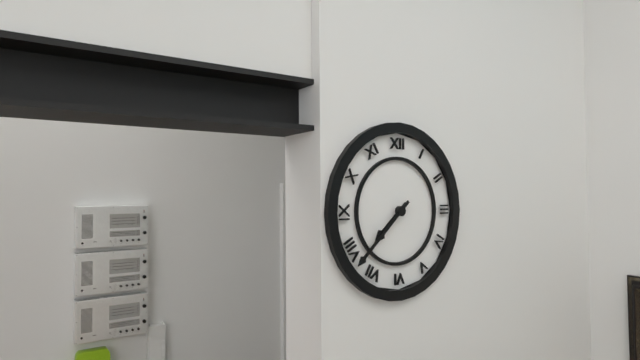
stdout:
h=7 m=38
